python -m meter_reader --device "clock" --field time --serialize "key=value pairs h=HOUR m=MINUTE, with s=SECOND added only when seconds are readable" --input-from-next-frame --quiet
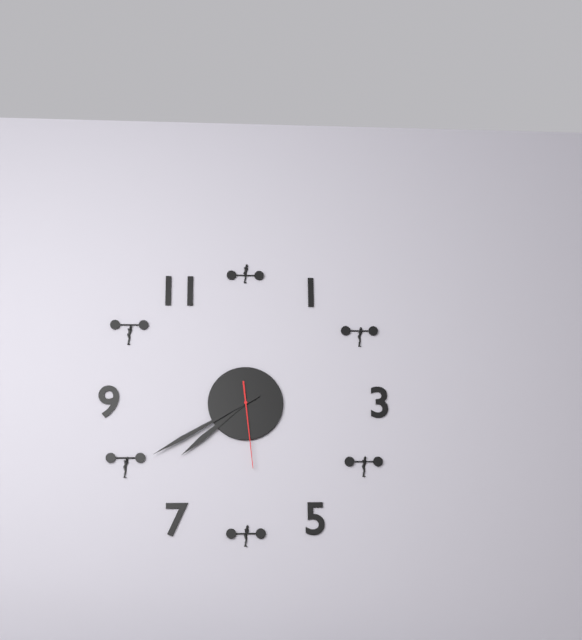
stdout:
h=7 m=40 s=29
